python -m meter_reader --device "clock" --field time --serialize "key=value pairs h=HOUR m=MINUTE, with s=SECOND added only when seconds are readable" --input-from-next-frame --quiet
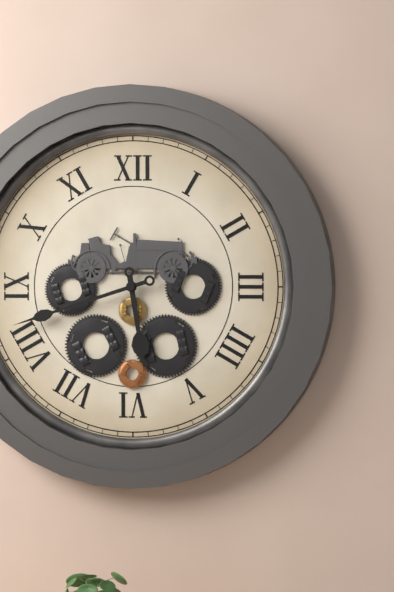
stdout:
h=5 m=42
